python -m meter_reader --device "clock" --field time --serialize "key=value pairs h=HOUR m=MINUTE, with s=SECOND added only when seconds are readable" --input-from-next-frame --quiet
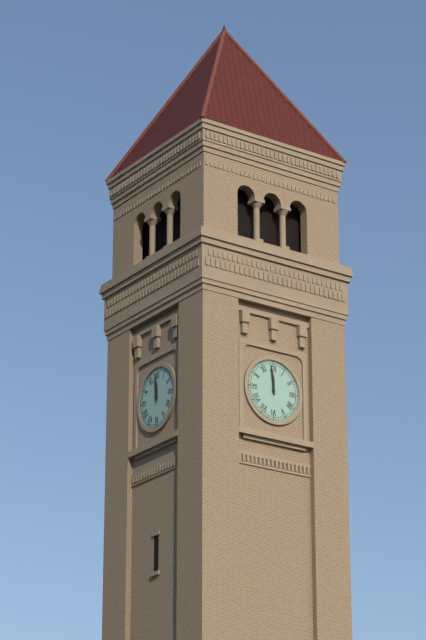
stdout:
h=11 m=59
